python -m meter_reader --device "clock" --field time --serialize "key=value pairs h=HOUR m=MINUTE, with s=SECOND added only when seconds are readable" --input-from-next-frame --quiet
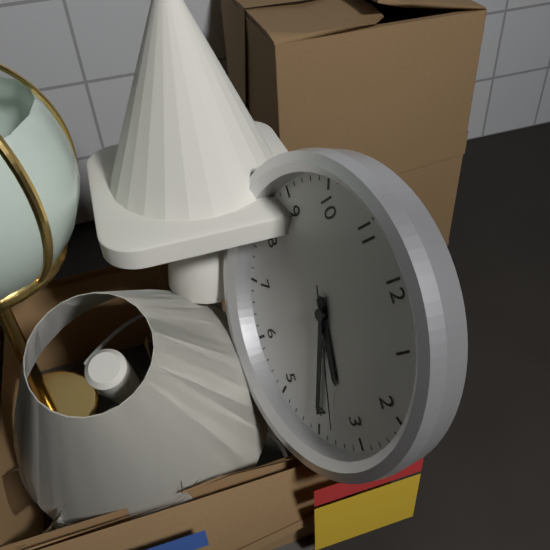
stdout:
h=3 m=20 s=18
